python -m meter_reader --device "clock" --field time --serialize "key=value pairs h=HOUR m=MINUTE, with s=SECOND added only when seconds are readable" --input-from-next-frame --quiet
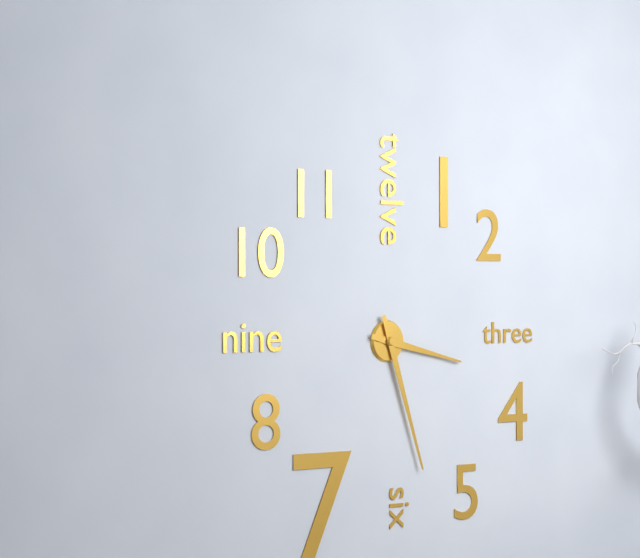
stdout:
h=3 m=27
